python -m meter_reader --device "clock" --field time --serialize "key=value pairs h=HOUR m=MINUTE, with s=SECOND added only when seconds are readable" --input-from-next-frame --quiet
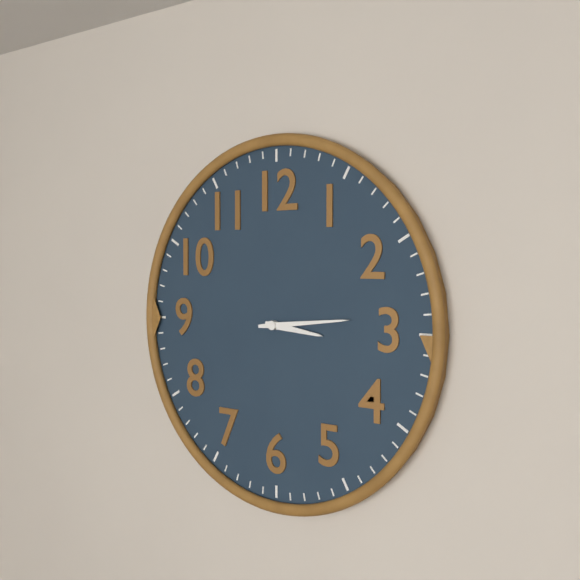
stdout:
h=3 m=14
